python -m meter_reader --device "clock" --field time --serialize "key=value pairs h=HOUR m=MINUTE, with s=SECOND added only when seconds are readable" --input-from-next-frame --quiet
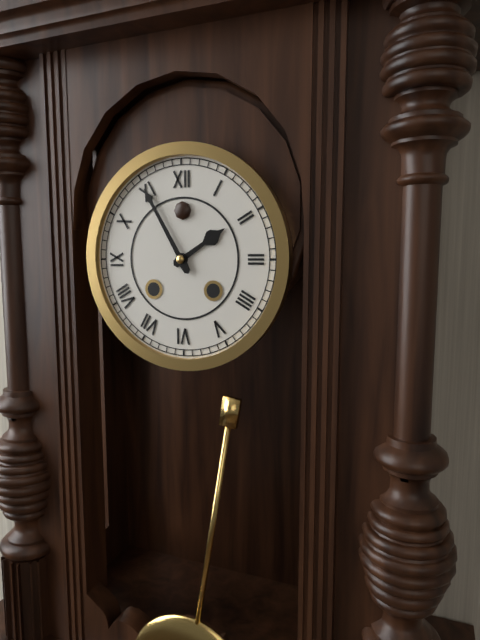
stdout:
h=1 m=55
